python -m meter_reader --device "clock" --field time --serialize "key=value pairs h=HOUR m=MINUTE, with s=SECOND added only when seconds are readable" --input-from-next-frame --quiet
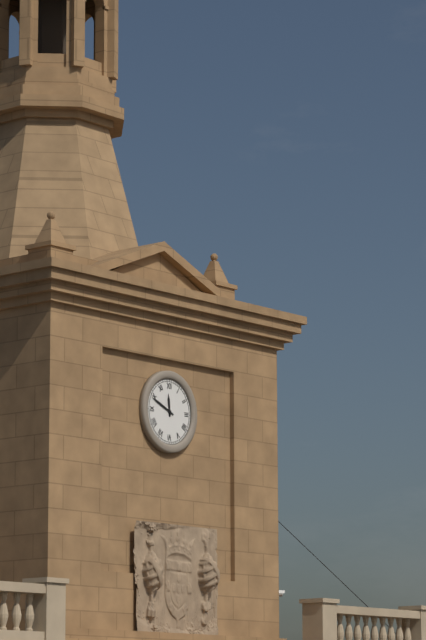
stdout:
h=11 m=49
